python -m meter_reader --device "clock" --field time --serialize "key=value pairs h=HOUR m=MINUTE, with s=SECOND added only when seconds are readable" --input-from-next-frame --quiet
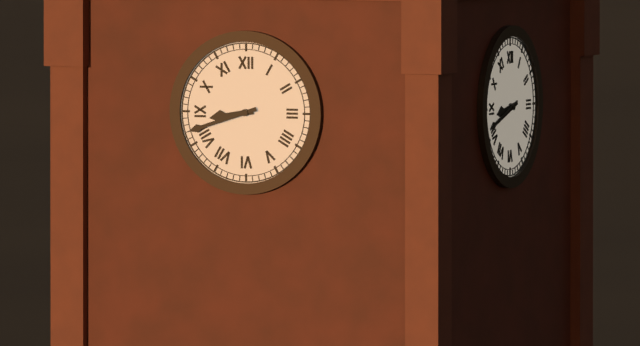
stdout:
h=8 m=42
